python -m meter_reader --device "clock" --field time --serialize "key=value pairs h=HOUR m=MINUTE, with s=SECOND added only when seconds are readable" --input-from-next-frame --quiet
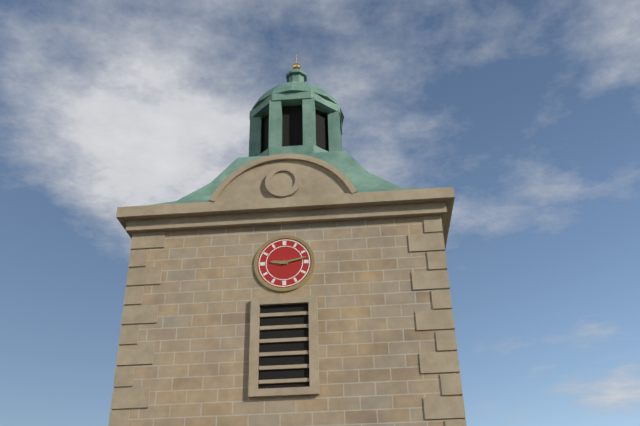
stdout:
h=9 m=13
